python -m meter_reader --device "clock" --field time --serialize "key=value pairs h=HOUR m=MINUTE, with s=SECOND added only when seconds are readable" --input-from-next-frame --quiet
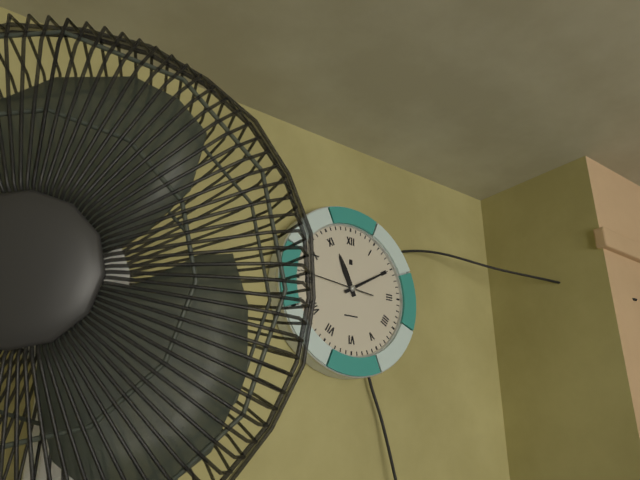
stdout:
h=11 m=10 s=46
